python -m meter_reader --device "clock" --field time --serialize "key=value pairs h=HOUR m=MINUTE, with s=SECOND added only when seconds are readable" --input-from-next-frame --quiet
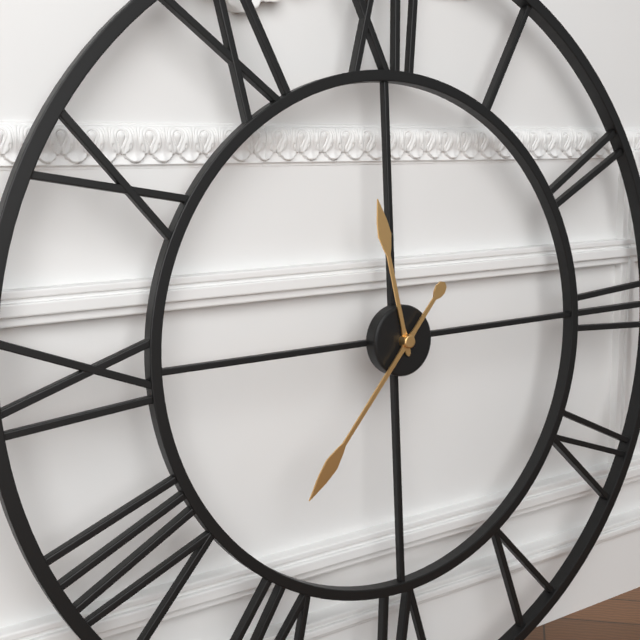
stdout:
h=11 m=37
